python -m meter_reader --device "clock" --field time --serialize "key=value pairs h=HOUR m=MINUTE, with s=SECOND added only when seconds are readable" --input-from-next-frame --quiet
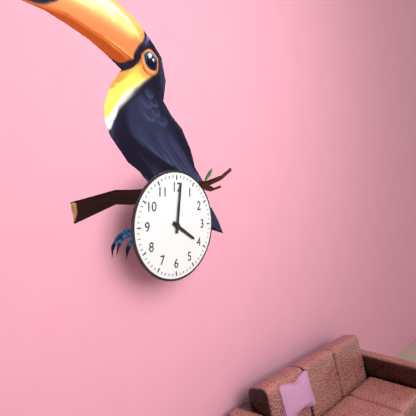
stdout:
h=4 m=1
